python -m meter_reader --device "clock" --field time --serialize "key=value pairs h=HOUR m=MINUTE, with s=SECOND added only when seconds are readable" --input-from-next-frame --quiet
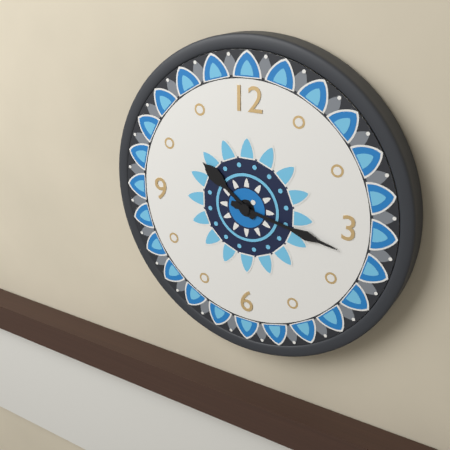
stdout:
h=10 m=17
